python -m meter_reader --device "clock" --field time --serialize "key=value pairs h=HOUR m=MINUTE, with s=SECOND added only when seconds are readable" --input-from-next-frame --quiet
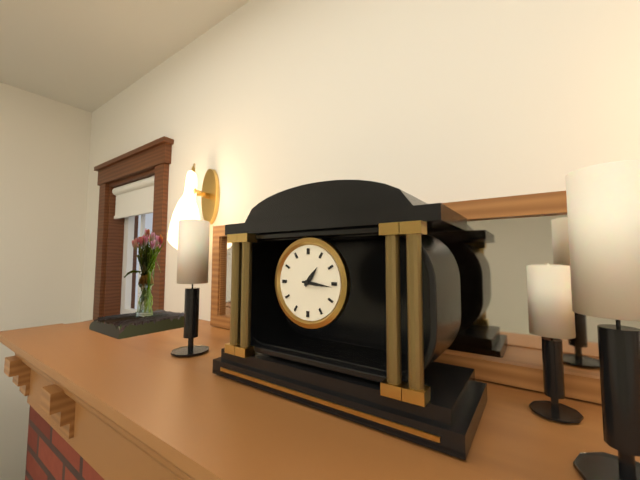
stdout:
h=1 m=16
